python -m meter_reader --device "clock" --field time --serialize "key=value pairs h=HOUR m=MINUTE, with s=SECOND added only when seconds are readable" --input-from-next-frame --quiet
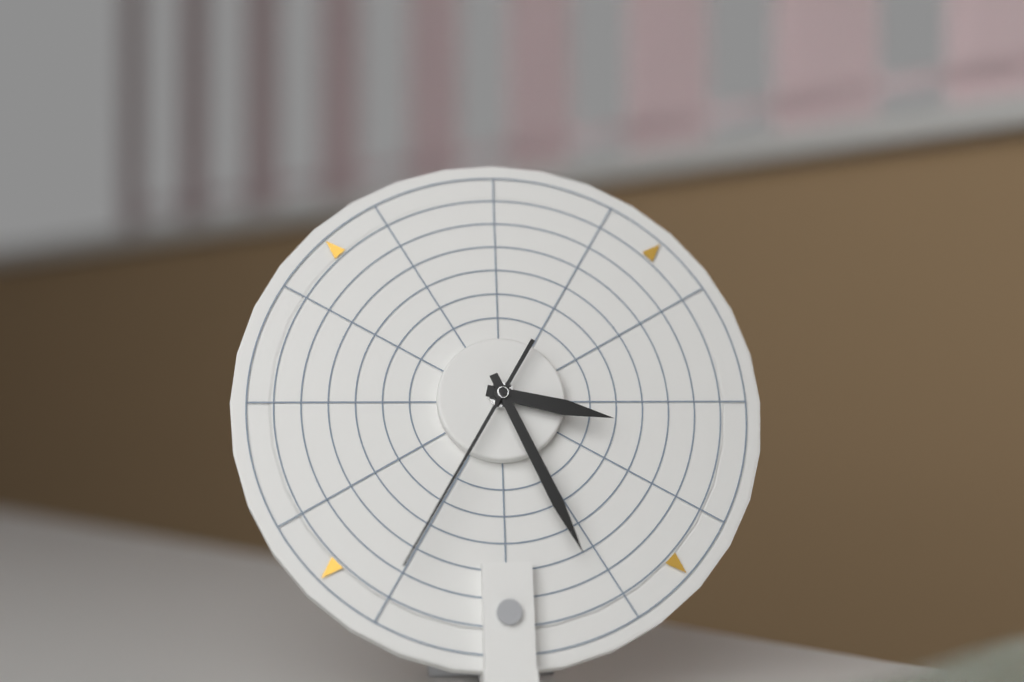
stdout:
h=3 m=26 s=35
